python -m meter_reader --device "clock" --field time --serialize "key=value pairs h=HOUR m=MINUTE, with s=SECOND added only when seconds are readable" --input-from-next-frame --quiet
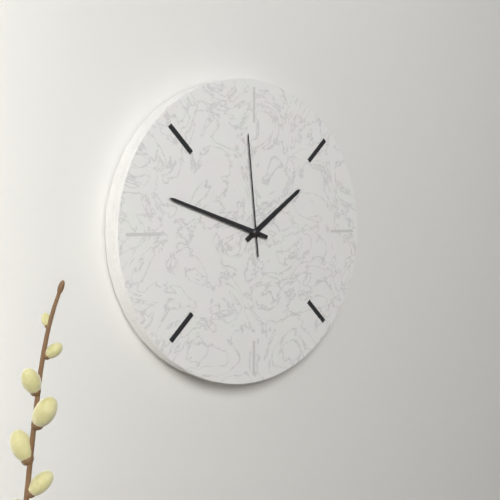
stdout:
h=1 m=48 s=59
